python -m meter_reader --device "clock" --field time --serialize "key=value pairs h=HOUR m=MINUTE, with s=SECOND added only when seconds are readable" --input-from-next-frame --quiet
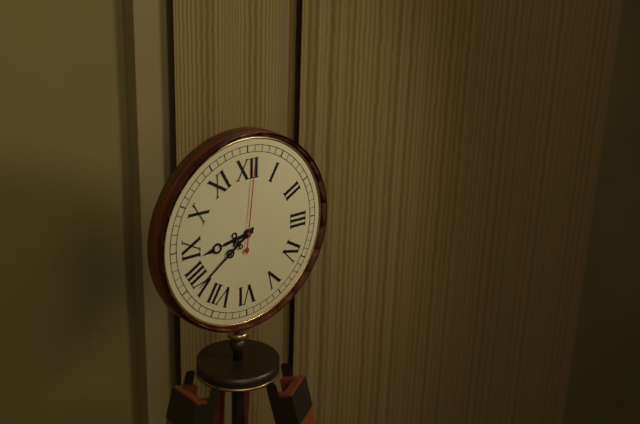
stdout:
h=8 m=39 s=1
